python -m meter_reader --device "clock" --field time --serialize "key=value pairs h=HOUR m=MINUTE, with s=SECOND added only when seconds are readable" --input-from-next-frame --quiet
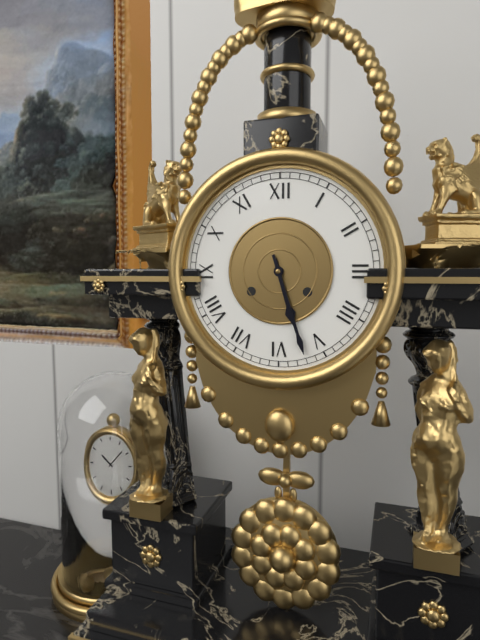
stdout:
h=5 m=27
